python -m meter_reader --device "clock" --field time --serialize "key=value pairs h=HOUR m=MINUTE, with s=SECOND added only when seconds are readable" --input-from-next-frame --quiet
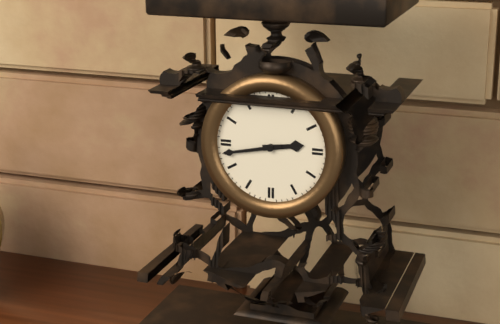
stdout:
h=2 m=43
